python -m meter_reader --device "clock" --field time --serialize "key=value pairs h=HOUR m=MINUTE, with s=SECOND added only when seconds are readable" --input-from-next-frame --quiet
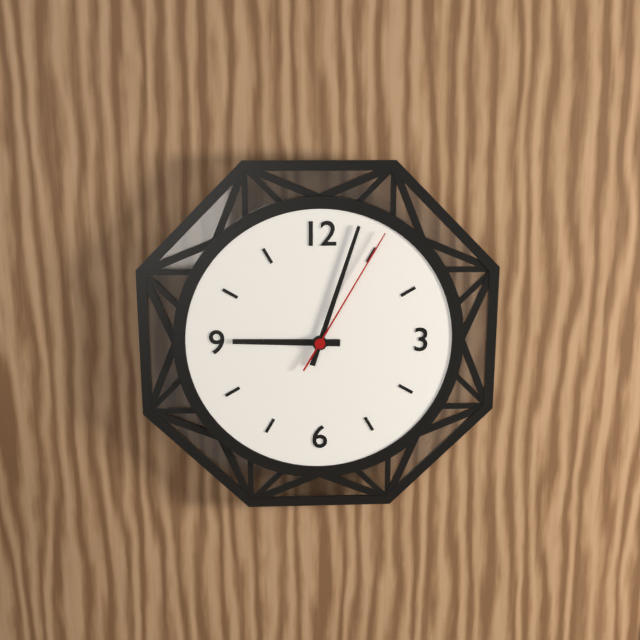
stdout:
h=9 m=3 s=5
